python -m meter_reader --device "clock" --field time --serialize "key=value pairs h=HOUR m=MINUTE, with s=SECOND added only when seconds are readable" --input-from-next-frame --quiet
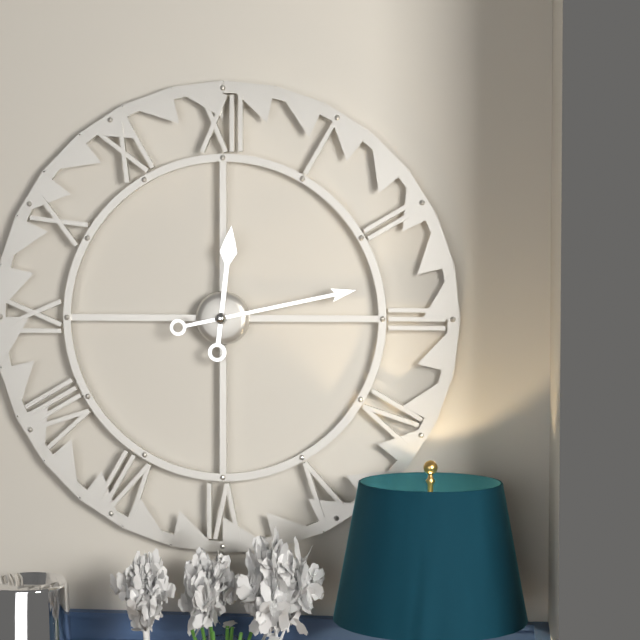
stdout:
h=12 m=13
